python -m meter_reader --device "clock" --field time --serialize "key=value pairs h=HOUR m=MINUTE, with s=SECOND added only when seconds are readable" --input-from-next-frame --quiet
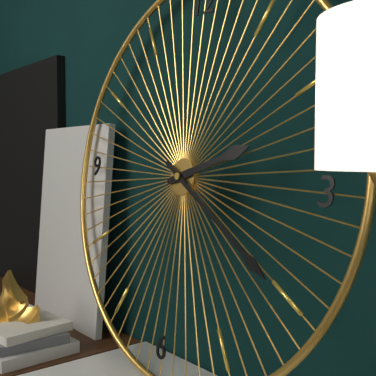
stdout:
h=2 m=20
